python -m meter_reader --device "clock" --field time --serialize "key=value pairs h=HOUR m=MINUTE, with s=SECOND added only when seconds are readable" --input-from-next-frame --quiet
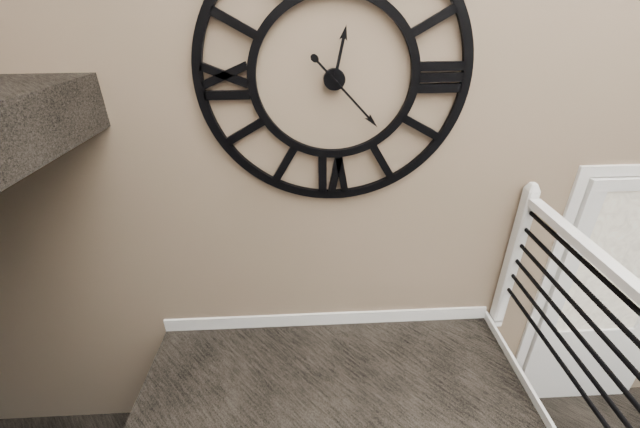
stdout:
h=12 m=23
